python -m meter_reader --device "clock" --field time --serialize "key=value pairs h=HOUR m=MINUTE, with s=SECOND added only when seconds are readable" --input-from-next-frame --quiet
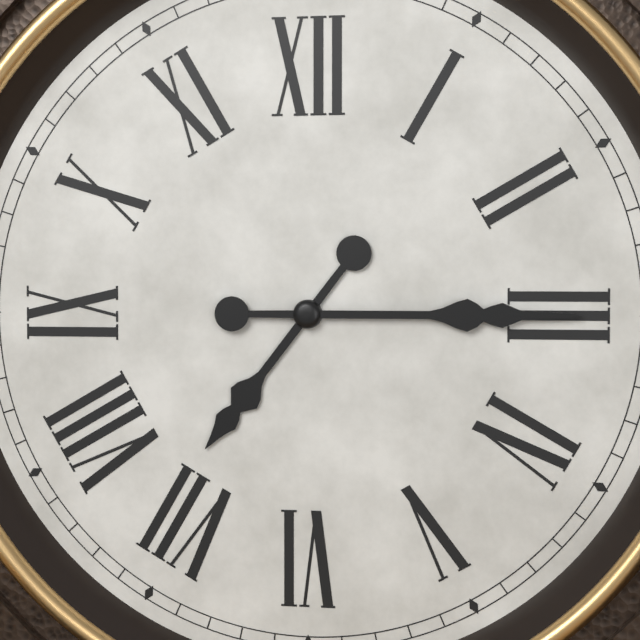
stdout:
h=7 m=15
